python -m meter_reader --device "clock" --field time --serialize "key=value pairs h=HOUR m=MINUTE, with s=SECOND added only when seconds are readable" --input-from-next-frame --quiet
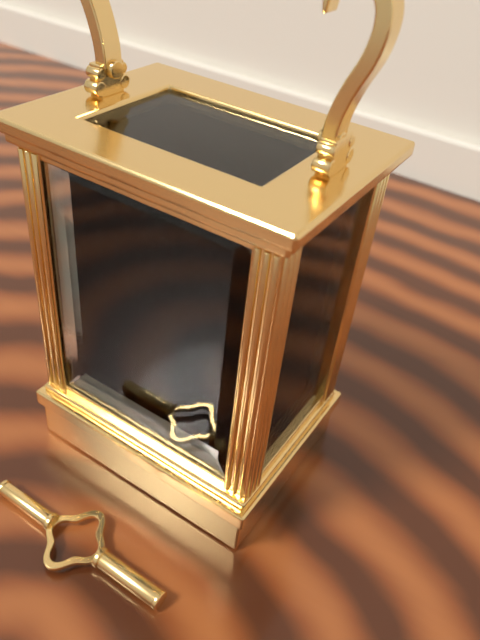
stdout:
h=11 m=41
